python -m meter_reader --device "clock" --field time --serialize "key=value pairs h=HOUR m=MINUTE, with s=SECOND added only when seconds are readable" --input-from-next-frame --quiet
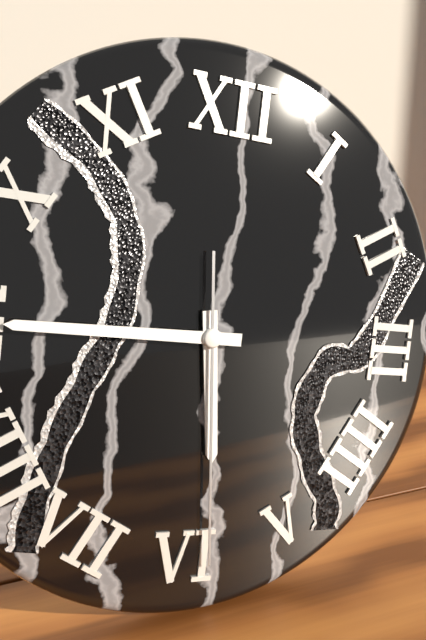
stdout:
h=5 m=45 s=29
